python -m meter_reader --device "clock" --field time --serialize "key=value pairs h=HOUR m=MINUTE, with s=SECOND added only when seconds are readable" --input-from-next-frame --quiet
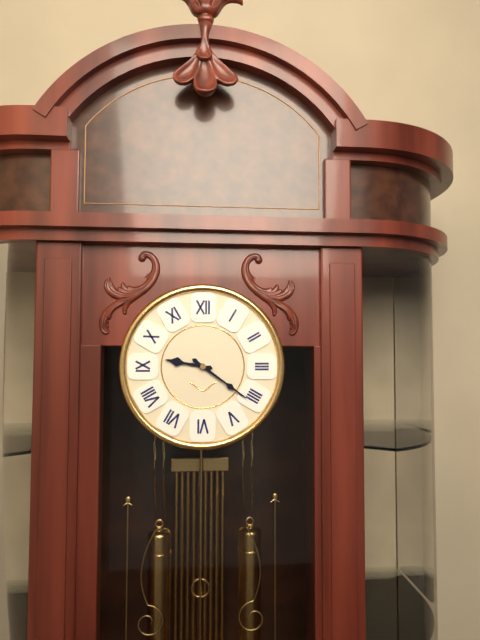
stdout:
h=9 m=21
